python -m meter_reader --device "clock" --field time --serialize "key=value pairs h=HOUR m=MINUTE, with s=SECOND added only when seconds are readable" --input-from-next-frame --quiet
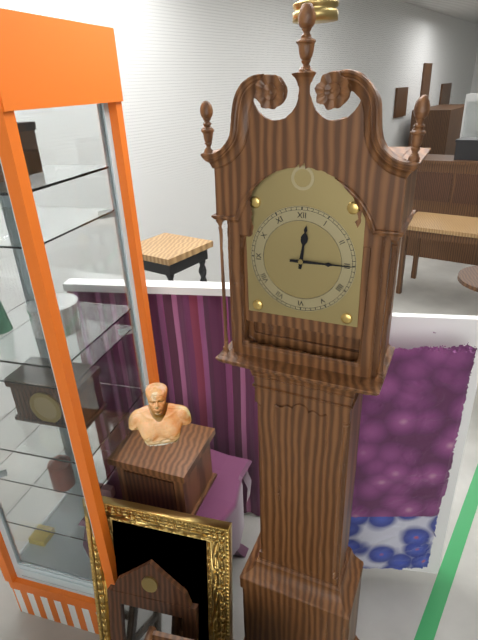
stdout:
h=12 m=15
